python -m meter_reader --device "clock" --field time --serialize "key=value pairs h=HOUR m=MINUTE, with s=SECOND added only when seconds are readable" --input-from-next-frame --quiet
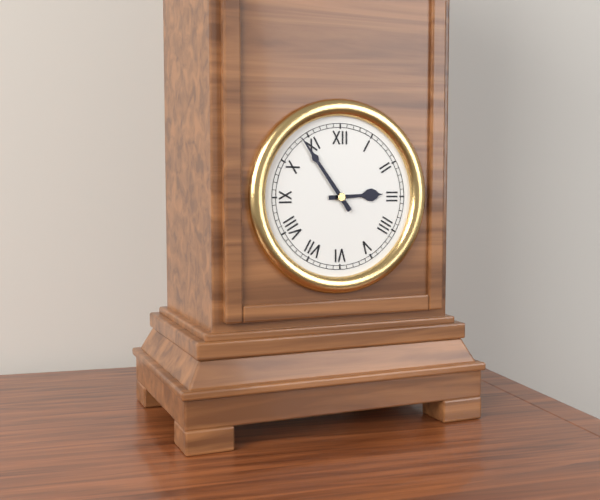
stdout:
h=2 m=54
